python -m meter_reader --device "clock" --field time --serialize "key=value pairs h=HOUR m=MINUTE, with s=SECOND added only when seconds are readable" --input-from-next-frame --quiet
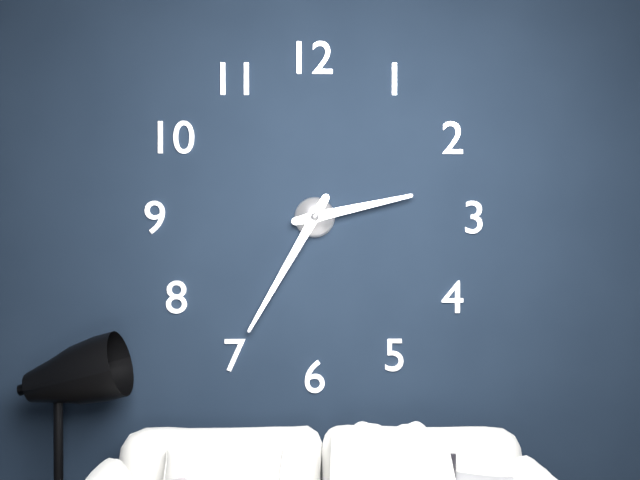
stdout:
h=2 m=35
